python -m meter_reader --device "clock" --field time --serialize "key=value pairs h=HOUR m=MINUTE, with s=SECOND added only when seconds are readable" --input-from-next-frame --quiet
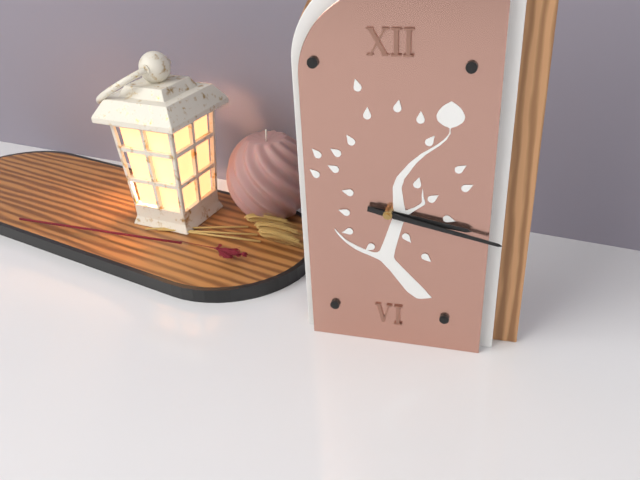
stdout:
h=3 m=17
